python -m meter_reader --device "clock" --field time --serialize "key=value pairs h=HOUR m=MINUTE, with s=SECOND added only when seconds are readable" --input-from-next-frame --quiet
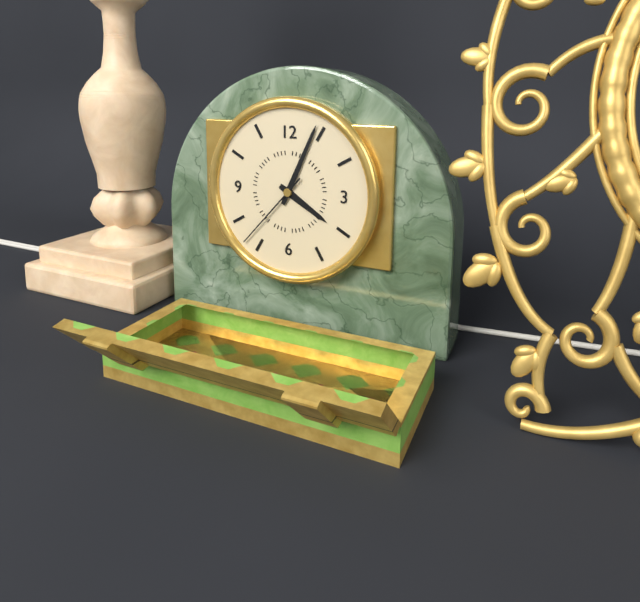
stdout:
h=4 m=4 s=37
